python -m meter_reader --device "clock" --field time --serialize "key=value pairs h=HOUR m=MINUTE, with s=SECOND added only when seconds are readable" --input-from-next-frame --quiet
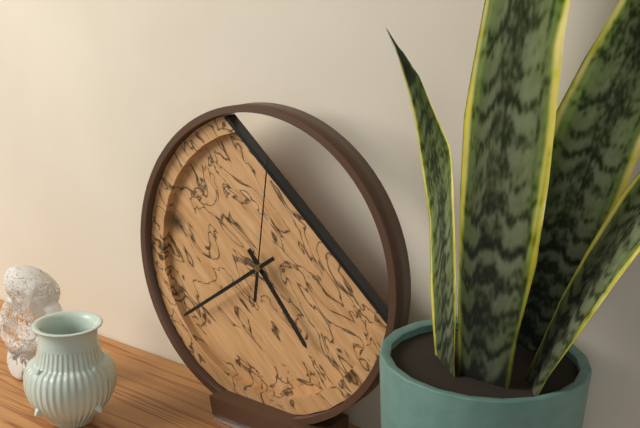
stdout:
h=4 m=39 s=1
